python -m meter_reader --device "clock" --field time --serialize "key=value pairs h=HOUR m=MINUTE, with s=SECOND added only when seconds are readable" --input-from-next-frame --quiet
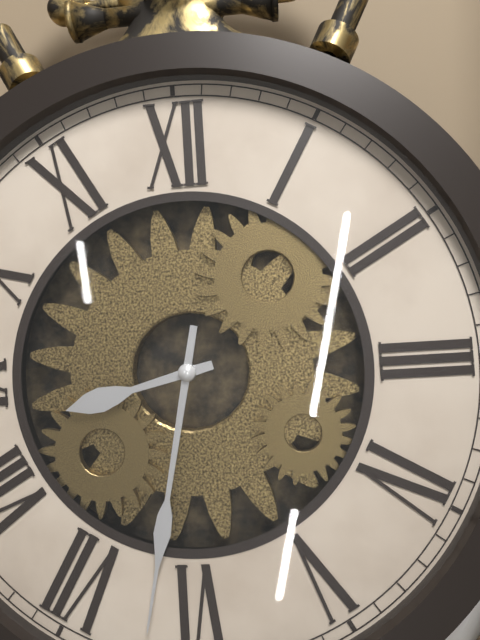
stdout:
h=8 m=32
